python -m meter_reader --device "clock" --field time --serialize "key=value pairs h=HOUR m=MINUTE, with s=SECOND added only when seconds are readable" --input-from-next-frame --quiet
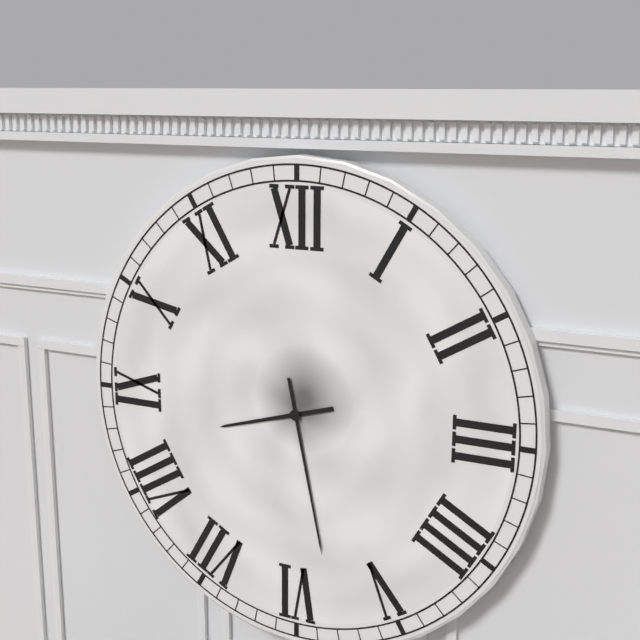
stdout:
h=8 m=28
